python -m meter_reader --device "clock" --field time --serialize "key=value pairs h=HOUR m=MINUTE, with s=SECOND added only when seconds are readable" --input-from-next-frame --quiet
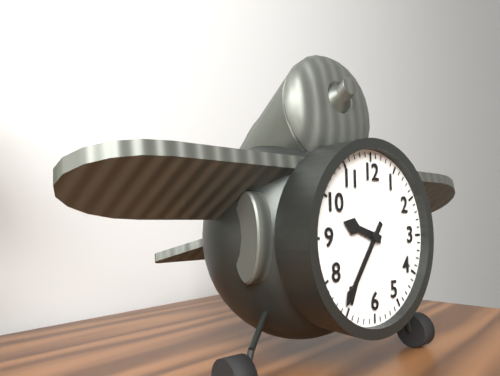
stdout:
h=9 m=36
